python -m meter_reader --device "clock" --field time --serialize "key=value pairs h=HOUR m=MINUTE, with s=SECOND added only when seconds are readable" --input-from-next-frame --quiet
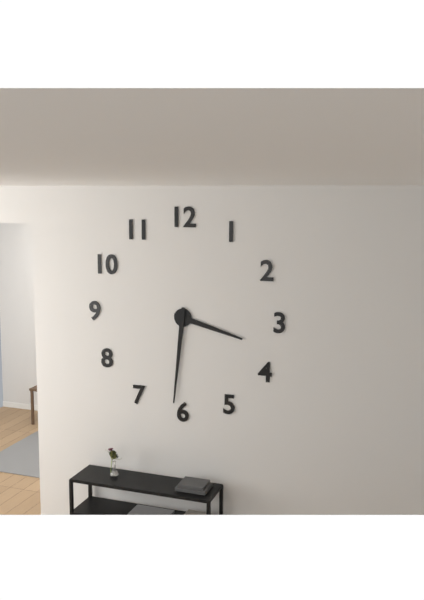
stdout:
h=3 m=31
